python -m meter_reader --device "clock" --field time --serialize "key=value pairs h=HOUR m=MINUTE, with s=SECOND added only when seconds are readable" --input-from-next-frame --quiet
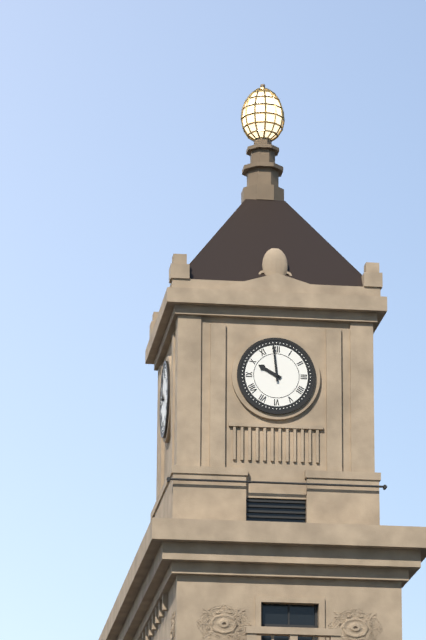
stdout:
h=9 m=59
